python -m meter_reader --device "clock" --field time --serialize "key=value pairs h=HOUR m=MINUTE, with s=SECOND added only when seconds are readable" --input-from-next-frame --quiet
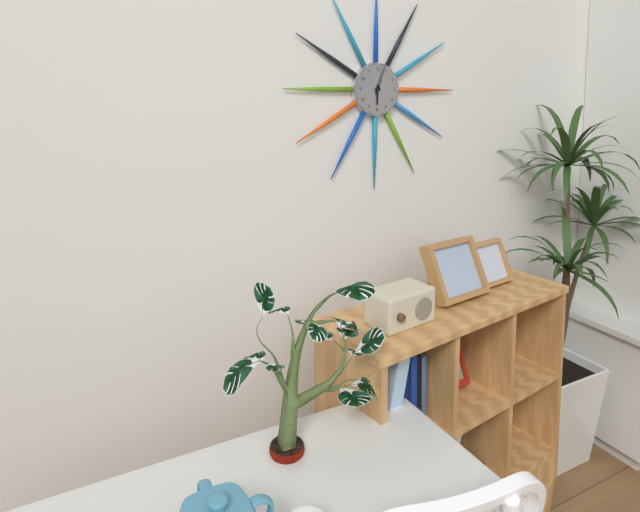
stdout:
h=6 m=3
